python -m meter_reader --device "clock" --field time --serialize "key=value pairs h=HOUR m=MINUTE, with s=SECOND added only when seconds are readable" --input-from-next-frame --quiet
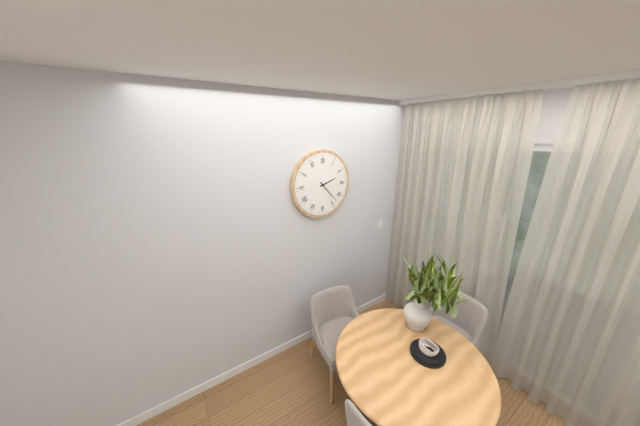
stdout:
h=2 m=23
